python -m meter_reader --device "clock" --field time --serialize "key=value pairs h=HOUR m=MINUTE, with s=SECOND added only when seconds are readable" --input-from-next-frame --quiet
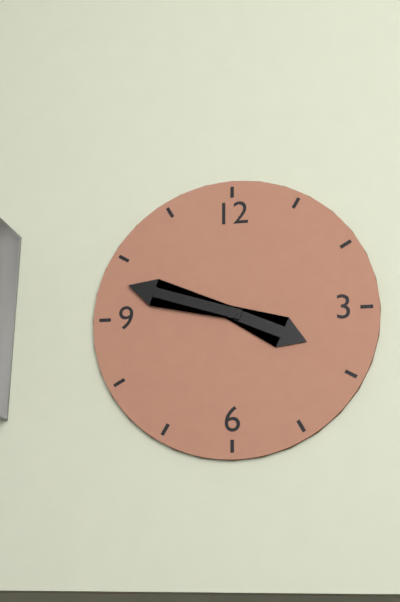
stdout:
h=3 m=48
